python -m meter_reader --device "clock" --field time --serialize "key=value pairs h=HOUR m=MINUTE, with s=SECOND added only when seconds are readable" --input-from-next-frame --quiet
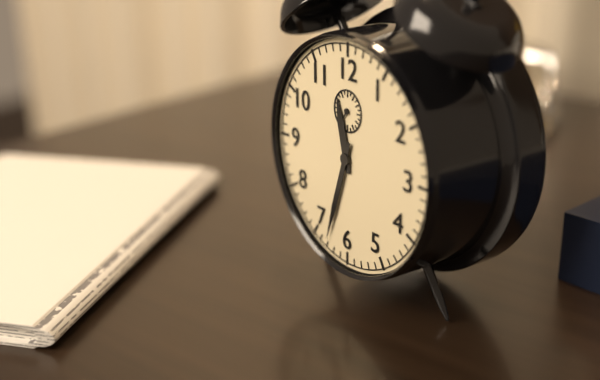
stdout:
h=11 m=33
